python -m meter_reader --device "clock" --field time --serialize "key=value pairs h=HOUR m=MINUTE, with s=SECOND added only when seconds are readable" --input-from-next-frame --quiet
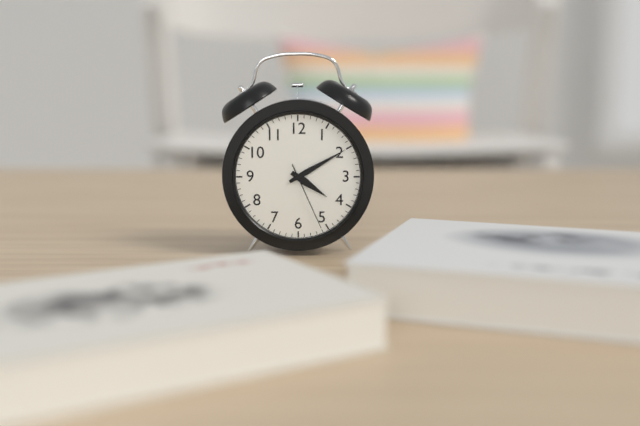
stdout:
h=4 m=10 s=26
